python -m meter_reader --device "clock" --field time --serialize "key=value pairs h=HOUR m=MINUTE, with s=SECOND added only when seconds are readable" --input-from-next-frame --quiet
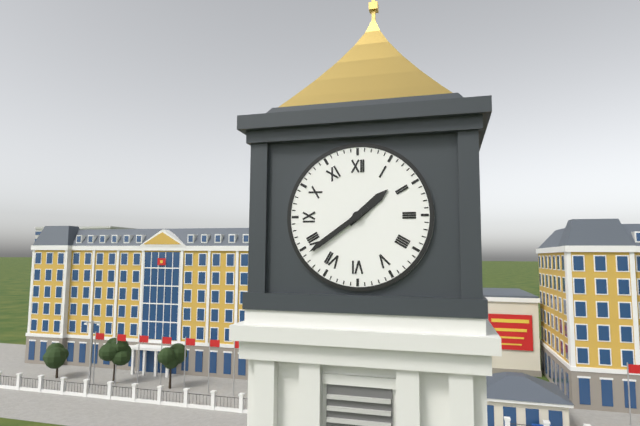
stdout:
h=1 m=39
